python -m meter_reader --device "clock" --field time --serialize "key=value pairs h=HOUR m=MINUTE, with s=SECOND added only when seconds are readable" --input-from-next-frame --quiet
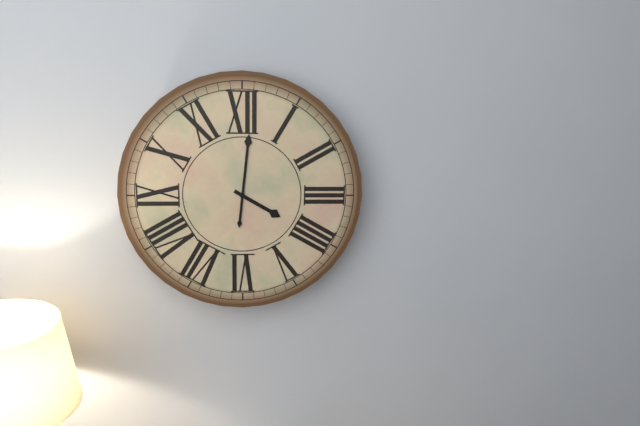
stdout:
h=4 m=1
